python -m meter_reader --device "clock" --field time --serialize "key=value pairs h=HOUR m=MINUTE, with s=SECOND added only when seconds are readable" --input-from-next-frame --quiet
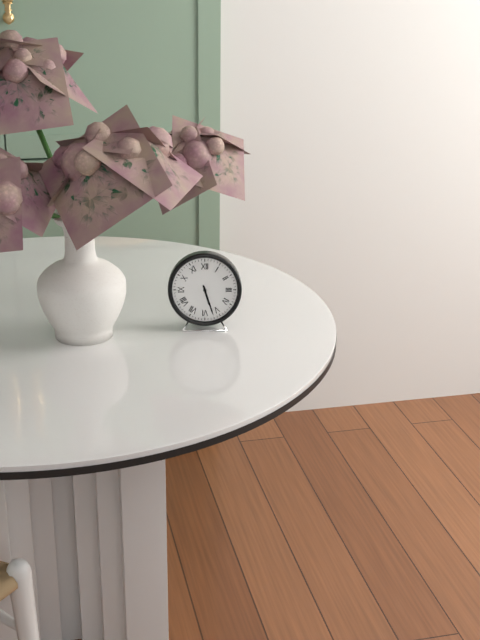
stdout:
h=5 m=27
